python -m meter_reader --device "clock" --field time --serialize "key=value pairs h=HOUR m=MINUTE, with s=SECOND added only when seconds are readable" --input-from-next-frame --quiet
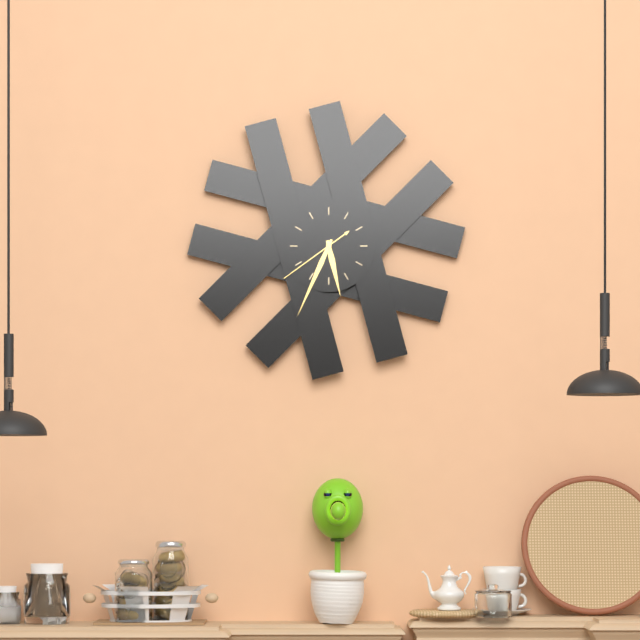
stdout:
h=5 m=34 s=39
